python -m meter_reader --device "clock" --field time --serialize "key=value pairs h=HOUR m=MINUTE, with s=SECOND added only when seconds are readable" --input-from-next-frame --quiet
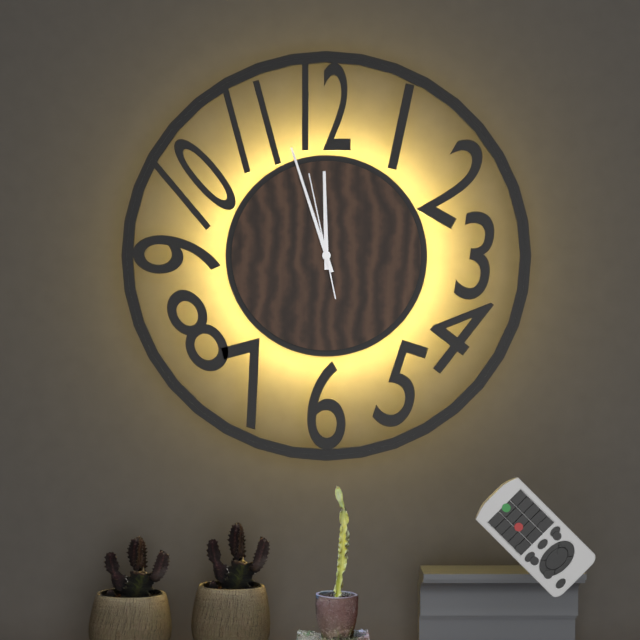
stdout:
h=11 m=57 s=58
